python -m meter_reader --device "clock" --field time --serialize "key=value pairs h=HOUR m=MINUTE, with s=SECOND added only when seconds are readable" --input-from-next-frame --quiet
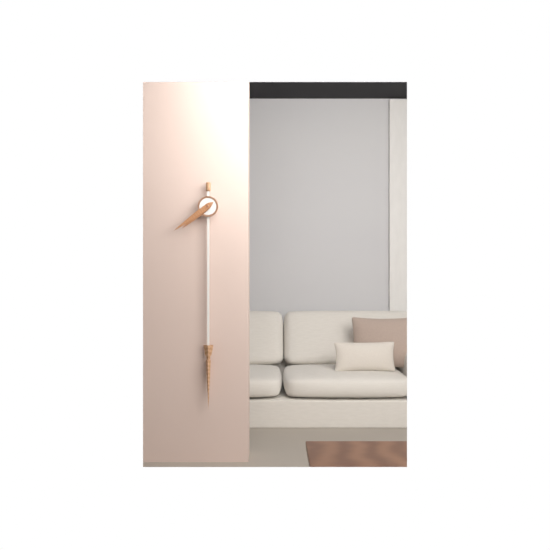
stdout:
h=7 m=39
